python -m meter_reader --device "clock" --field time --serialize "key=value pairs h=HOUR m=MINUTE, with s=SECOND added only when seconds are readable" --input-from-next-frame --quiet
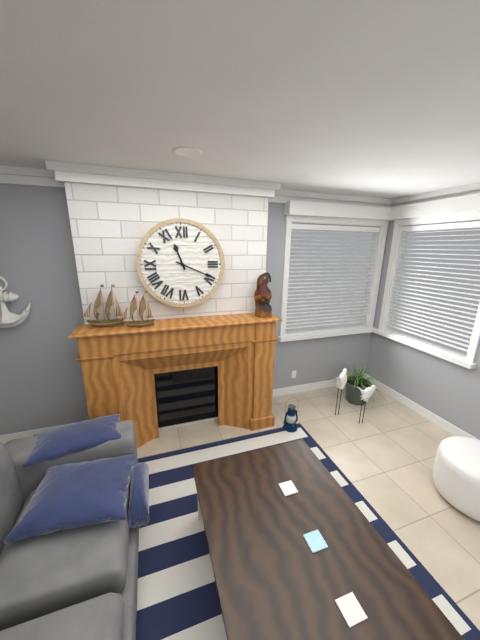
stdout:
h=11 m=19
